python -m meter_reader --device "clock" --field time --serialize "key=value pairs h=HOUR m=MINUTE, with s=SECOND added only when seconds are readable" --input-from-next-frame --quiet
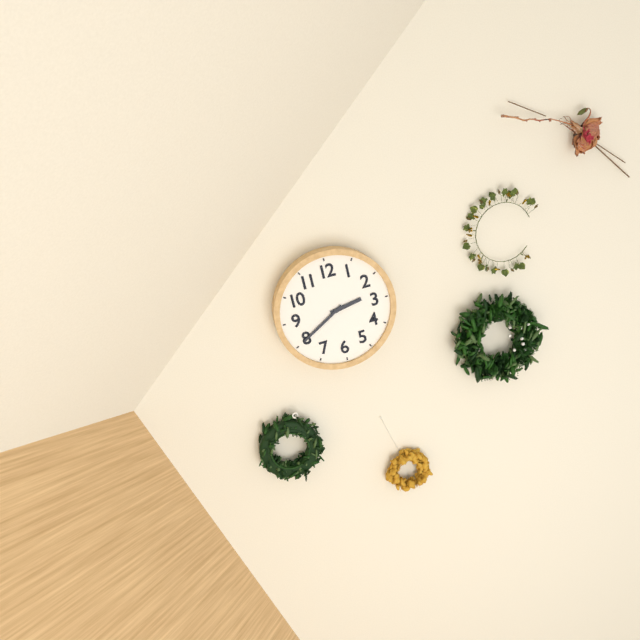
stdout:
h=2 m=40
